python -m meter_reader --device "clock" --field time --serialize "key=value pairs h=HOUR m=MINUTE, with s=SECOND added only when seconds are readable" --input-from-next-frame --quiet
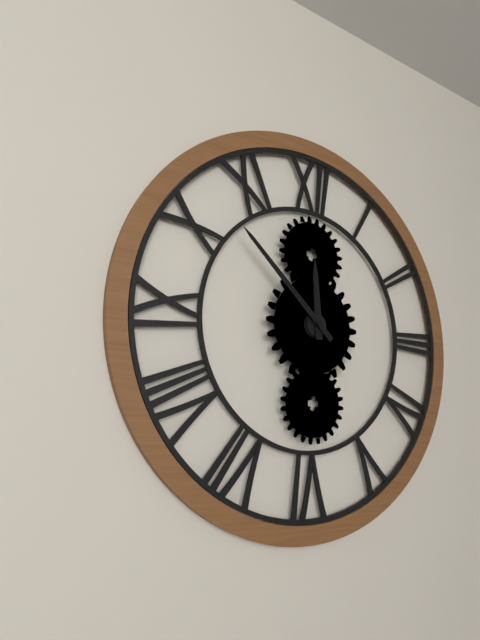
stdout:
h=11 m=52
